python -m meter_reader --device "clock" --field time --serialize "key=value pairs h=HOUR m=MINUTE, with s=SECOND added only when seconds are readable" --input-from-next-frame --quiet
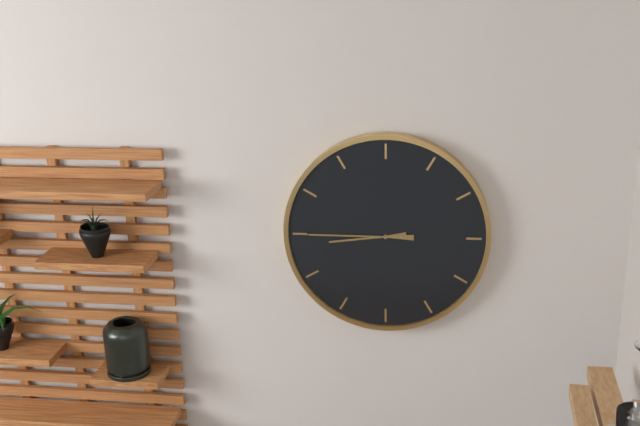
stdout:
h=8 m=45
